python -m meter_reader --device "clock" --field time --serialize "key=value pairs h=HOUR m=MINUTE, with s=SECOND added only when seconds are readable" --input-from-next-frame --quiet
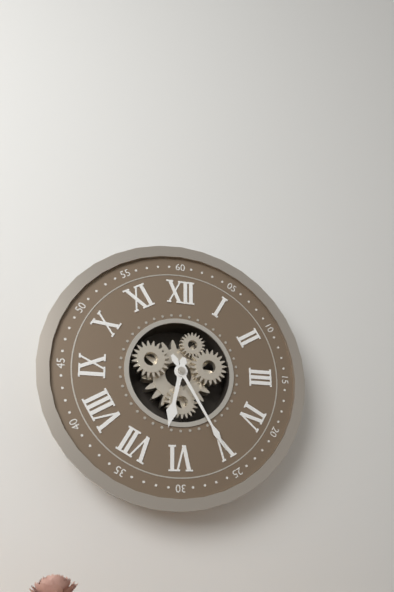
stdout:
h=6 m=25
